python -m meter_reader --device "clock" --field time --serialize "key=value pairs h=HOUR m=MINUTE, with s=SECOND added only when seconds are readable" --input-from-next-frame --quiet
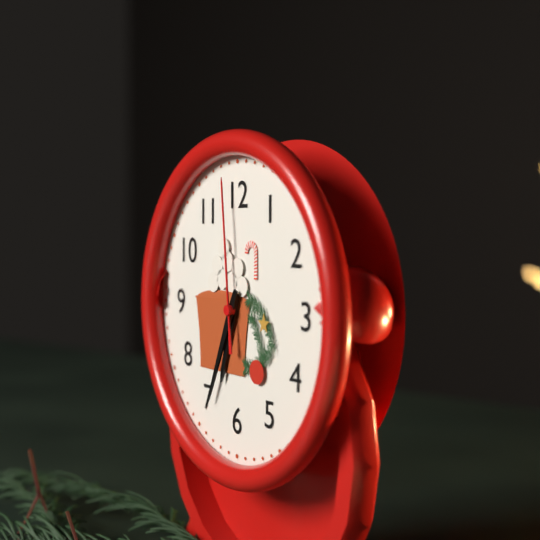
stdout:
h=6 m=34 s=59
